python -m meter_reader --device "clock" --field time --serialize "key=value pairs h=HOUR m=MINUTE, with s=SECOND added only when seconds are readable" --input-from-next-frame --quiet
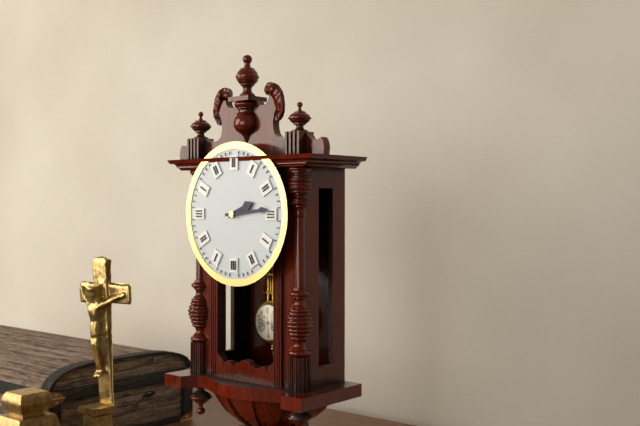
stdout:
h=2 m=14
